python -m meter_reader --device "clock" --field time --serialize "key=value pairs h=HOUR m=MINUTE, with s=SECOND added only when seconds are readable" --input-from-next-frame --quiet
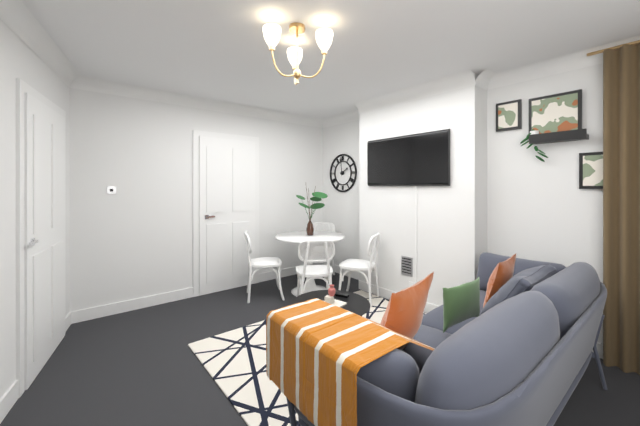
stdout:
h=1 m=59
